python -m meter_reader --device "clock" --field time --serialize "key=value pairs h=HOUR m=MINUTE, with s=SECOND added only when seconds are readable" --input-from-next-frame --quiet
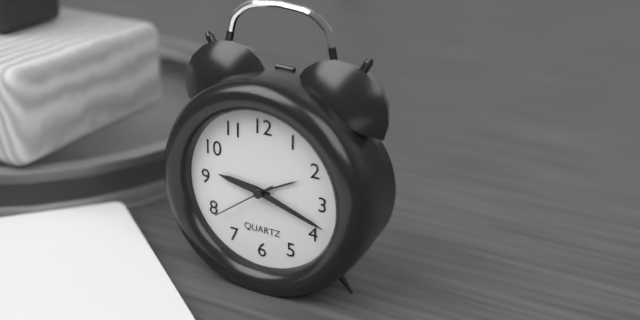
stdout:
h=9 m=18 s=39
